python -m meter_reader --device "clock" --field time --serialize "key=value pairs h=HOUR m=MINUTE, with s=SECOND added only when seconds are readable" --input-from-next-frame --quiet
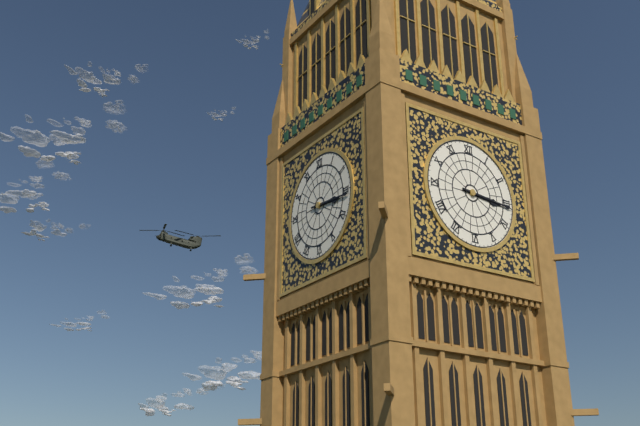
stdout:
h=3 m=16
